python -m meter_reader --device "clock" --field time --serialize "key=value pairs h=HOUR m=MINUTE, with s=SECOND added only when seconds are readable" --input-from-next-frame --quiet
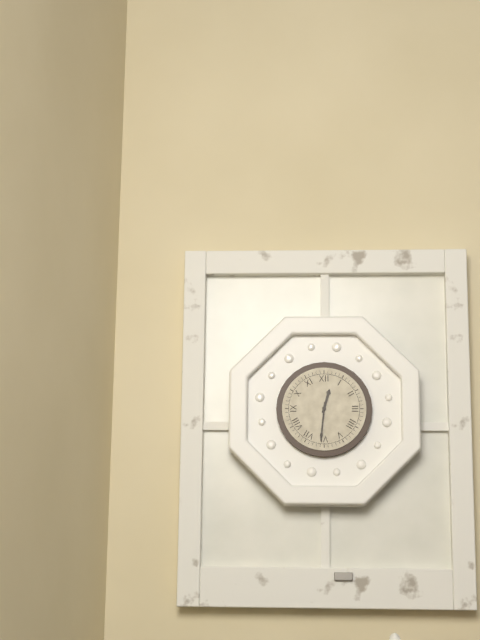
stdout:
h=12 m=31
